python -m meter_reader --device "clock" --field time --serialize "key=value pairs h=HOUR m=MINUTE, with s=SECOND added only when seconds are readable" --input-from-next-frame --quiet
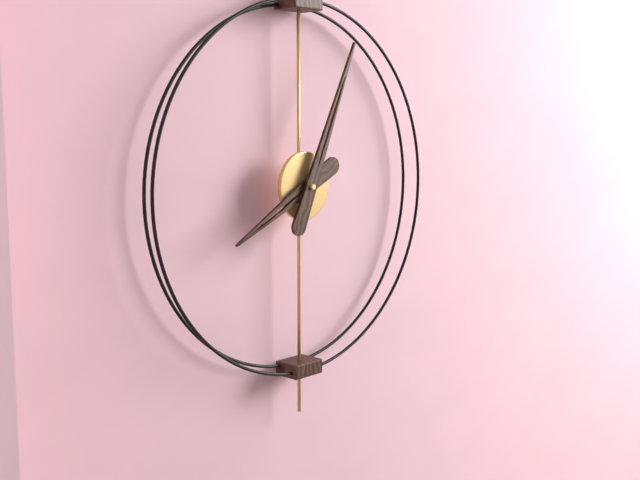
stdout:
h=8 m=4
